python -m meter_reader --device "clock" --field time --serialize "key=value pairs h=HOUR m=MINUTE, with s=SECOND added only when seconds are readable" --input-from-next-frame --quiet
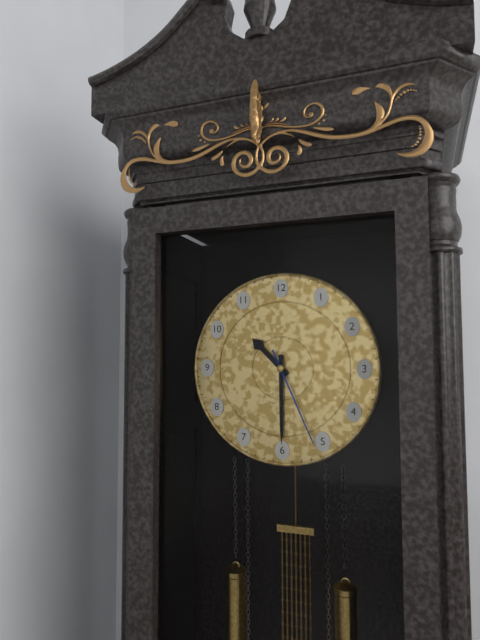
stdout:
h=10 m=30 s=26
